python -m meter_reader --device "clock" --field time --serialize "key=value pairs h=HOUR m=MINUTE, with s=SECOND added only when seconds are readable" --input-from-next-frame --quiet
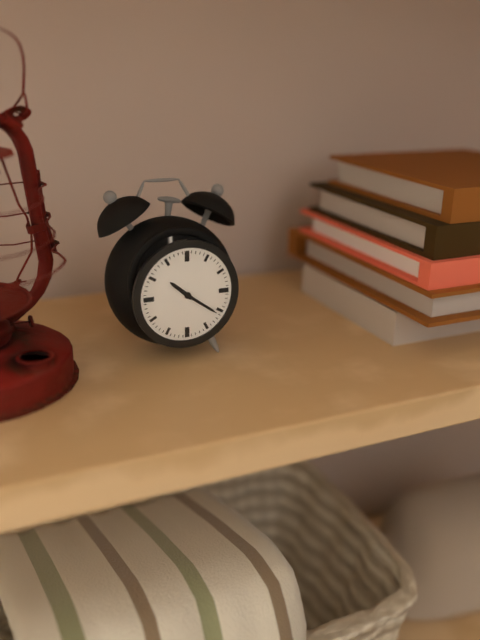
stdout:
h=10 m=21
